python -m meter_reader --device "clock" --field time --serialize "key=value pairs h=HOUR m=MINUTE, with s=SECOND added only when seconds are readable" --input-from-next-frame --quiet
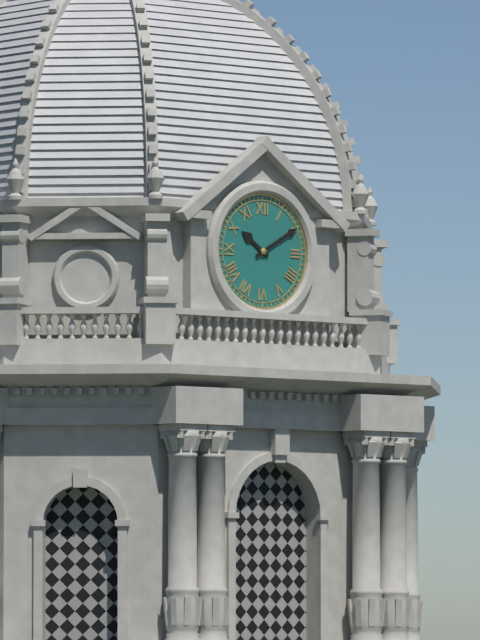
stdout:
h=10 m=10
